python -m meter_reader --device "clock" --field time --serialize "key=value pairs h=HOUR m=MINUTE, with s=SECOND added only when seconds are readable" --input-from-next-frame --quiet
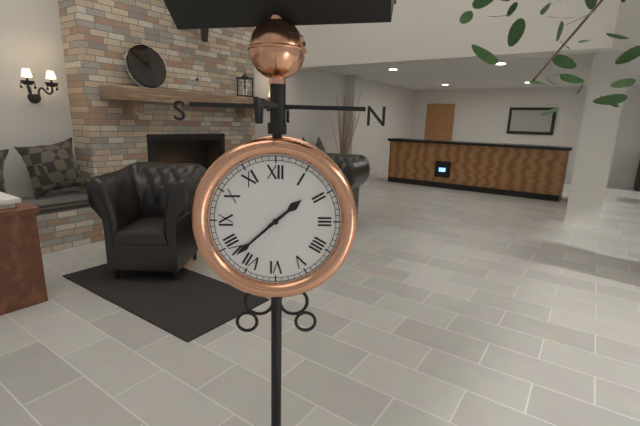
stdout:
h=1 m=38
